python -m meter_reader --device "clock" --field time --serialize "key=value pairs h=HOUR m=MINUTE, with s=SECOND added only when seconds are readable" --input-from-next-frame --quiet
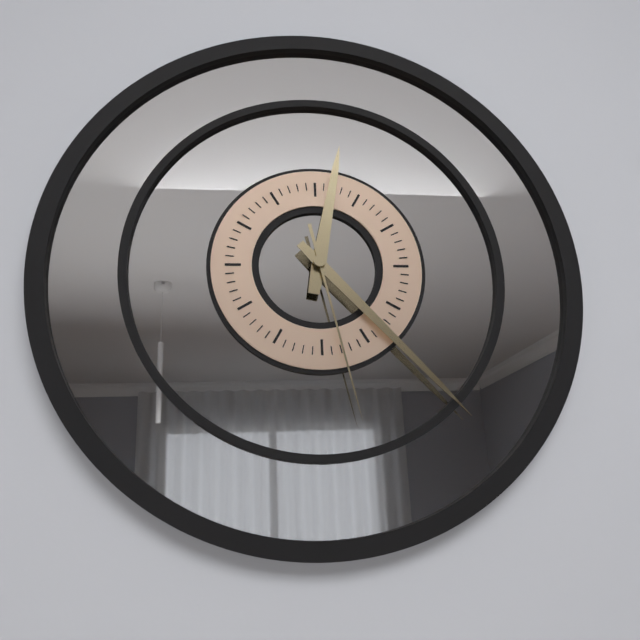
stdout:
h=12 m=23 s=28
